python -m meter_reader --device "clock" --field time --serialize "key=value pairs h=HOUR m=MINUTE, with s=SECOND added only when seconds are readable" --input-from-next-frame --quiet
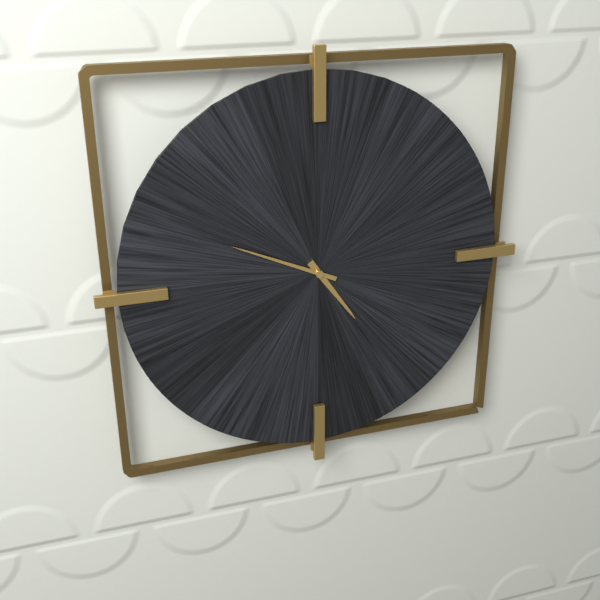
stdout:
h=4 m=49
